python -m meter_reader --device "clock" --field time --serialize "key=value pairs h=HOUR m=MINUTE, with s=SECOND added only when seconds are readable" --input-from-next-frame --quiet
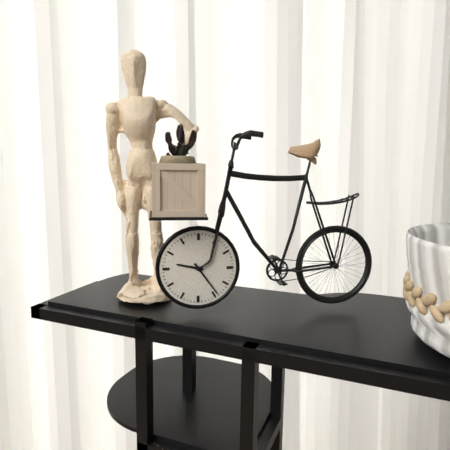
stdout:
h=9 m=24
